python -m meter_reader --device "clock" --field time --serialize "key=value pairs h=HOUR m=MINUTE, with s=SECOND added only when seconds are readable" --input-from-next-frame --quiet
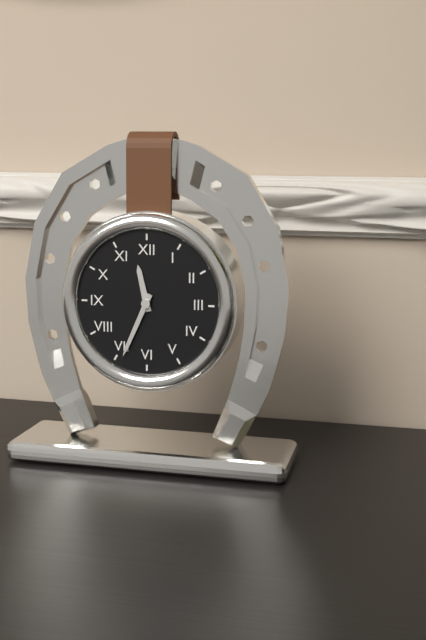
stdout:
h=11 m=34
